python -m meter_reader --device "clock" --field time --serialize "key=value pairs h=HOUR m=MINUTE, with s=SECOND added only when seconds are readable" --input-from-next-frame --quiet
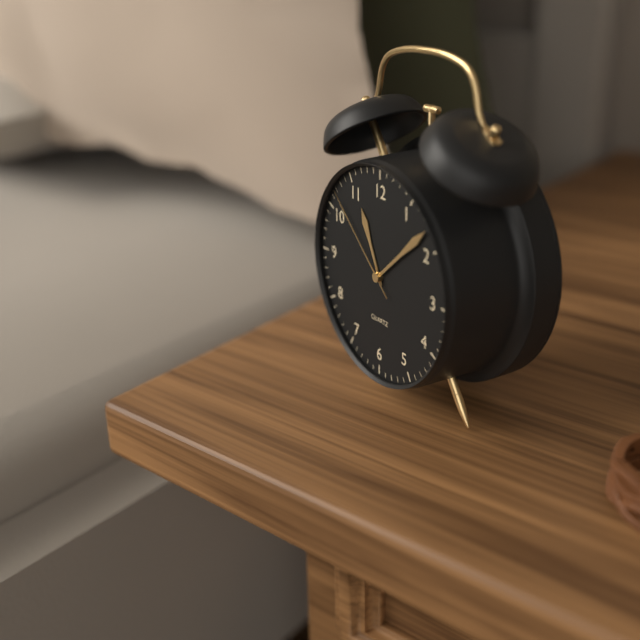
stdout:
h=11 m=8 s=52
